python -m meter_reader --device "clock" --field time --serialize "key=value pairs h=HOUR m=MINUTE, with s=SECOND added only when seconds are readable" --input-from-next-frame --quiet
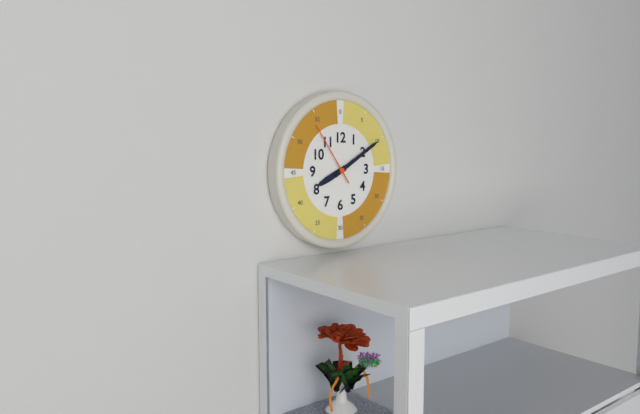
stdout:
h=8 m=10 s=54
